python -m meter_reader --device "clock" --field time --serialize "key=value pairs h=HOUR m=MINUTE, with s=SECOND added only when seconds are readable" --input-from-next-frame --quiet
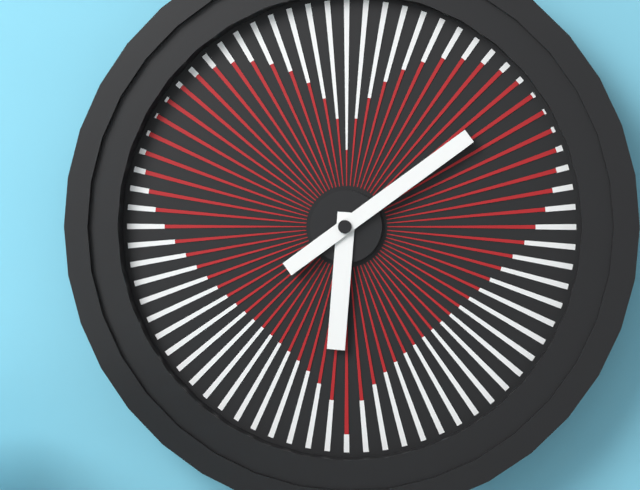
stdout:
h=6 m=9
